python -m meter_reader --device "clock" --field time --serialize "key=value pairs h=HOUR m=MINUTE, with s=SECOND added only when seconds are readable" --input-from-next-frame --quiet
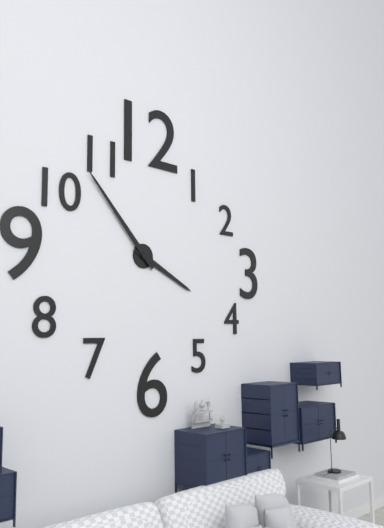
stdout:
h=3 m=53
